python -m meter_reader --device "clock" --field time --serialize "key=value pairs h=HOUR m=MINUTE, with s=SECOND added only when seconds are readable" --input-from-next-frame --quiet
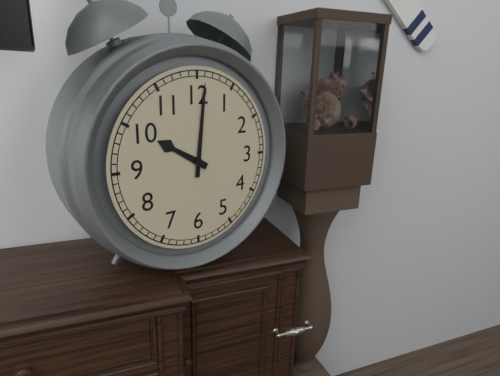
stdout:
h=10 m=1
